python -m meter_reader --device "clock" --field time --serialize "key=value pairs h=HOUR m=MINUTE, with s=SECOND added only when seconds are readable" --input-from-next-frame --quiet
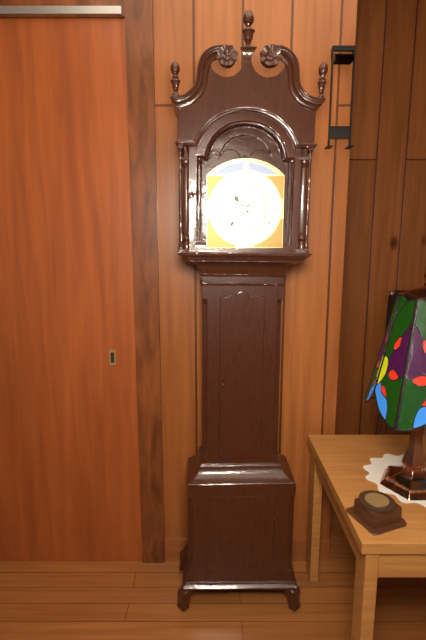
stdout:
h=10 m=37
